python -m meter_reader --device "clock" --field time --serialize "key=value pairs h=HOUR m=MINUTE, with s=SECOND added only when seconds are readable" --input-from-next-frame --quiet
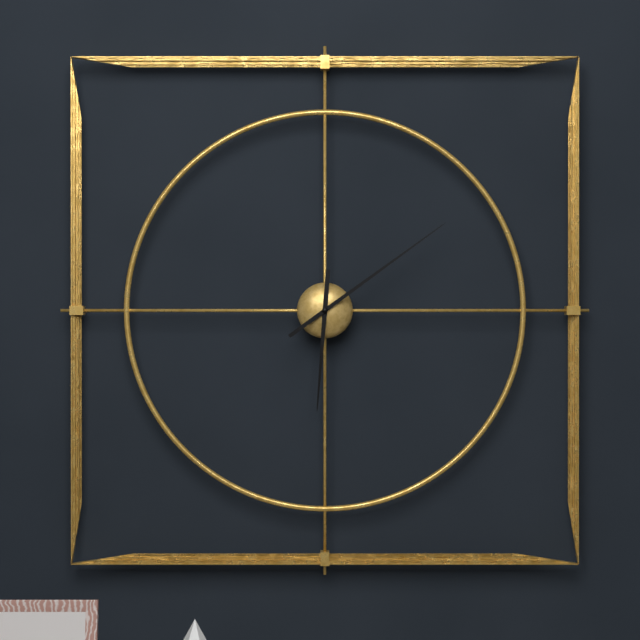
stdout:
h=6 m=9
